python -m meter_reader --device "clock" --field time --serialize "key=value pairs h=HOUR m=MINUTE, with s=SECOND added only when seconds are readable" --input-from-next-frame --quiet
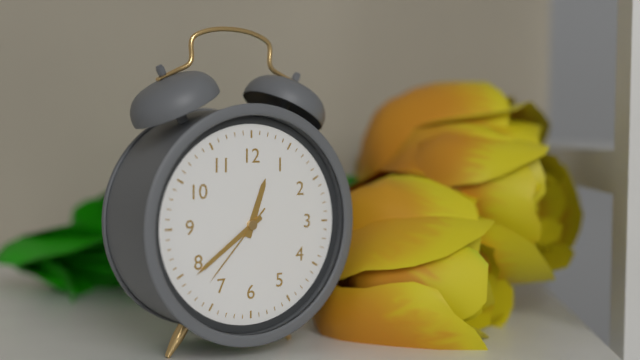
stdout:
h=12 m=39 s=37
